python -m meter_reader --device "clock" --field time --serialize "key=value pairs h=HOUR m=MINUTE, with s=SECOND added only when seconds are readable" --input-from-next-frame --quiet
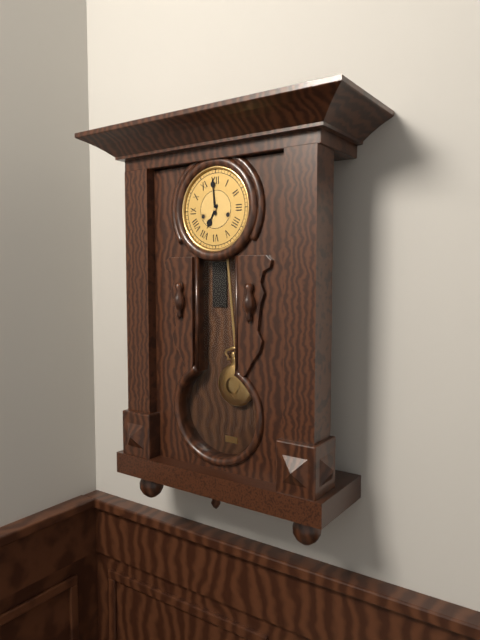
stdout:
h=6 m=59
